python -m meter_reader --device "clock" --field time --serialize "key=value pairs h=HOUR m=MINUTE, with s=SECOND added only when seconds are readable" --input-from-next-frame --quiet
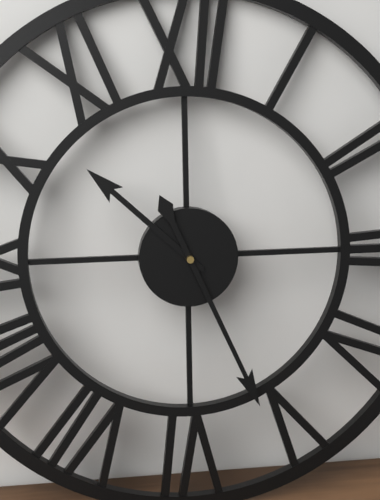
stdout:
h=10 m=26
